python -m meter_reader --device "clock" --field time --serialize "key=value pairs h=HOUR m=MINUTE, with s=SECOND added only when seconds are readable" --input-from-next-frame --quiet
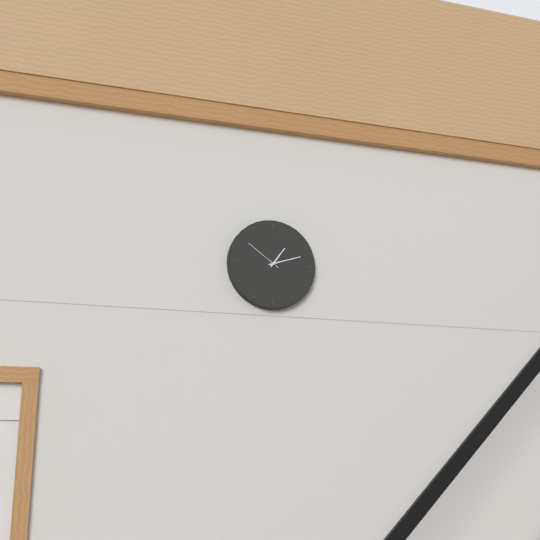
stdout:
h=1 m=12
